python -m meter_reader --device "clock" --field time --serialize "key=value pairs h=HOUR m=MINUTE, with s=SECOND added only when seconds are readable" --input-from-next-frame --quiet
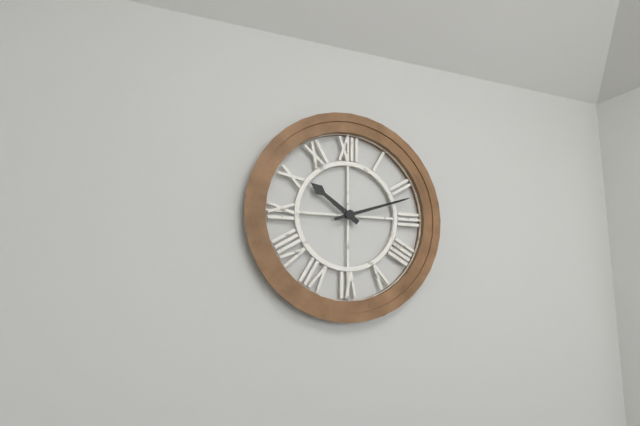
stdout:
h=10 m=12
